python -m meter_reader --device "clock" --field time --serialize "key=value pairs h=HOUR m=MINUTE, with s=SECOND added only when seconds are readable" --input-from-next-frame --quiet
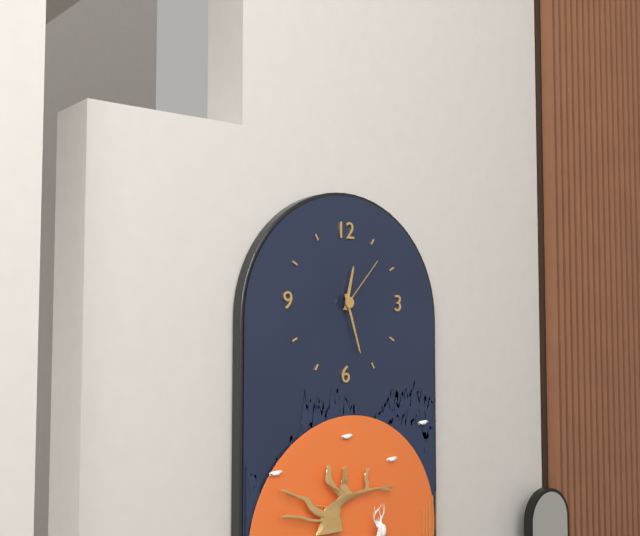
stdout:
h=12 m=27 s=7
